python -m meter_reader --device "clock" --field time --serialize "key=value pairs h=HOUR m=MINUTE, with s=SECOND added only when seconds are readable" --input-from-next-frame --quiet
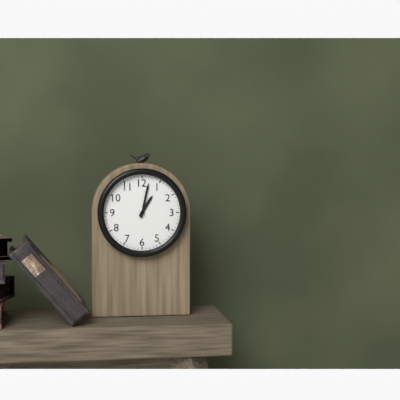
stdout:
h=1 m=2
